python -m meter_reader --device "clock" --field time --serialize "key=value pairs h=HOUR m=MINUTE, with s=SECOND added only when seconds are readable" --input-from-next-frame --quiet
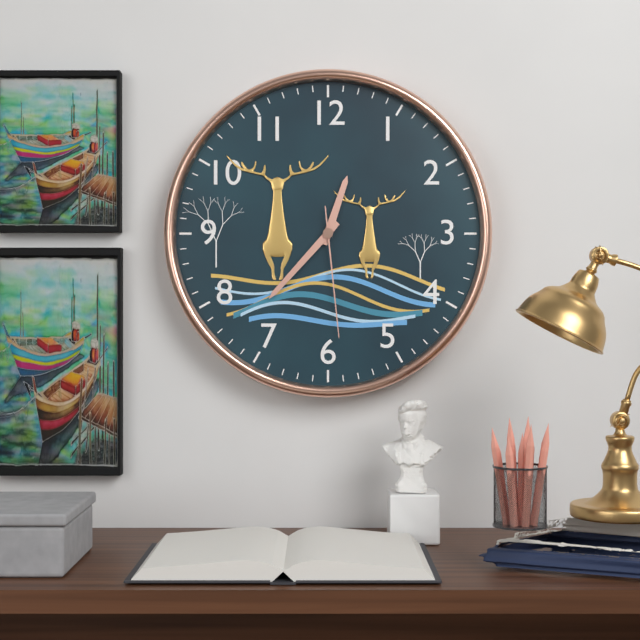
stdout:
h=12 m=37 s=29
